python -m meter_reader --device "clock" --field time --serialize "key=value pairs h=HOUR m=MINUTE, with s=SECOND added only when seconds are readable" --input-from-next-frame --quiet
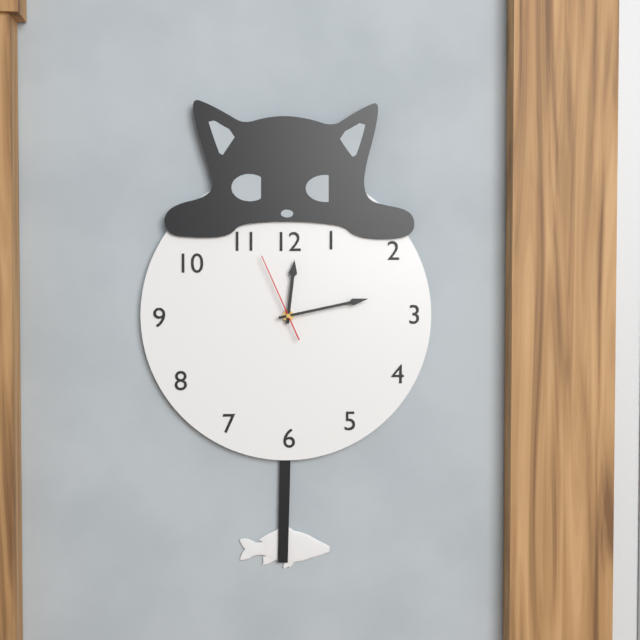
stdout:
h=12 m=13 s=56
